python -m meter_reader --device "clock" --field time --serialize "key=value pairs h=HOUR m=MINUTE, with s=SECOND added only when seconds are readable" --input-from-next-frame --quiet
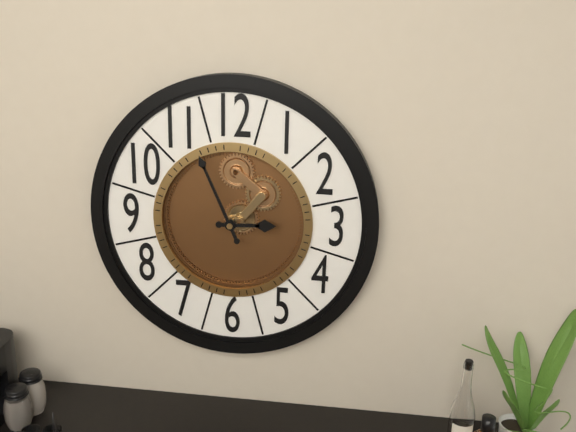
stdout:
h=2 m=56
